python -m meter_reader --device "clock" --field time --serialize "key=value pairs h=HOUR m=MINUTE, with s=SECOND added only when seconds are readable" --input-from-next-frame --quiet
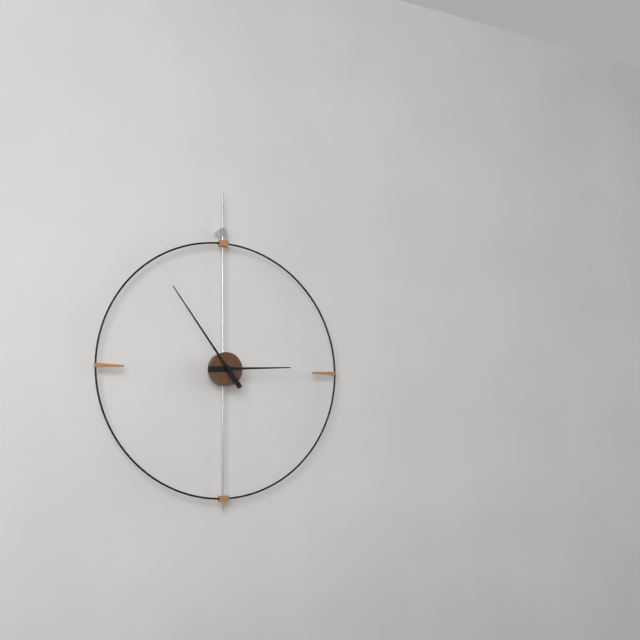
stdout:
h=2 m=54
